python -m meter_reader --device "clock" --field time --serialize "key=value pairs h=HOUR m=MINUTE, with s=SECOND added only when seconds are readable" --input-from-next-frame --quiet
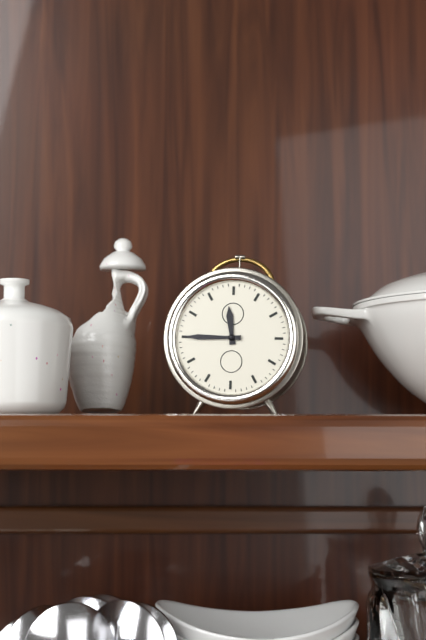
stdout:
h=11 m=45
